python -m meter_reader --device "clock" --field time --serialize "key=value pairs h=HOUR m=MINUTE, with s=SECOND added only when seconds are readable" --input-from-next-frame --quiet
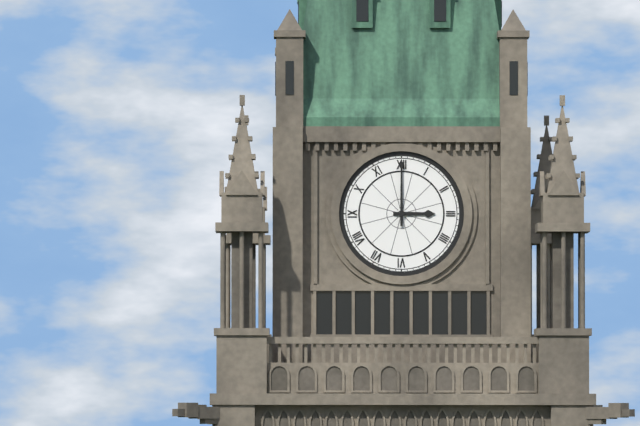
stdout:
h=3 m=0
